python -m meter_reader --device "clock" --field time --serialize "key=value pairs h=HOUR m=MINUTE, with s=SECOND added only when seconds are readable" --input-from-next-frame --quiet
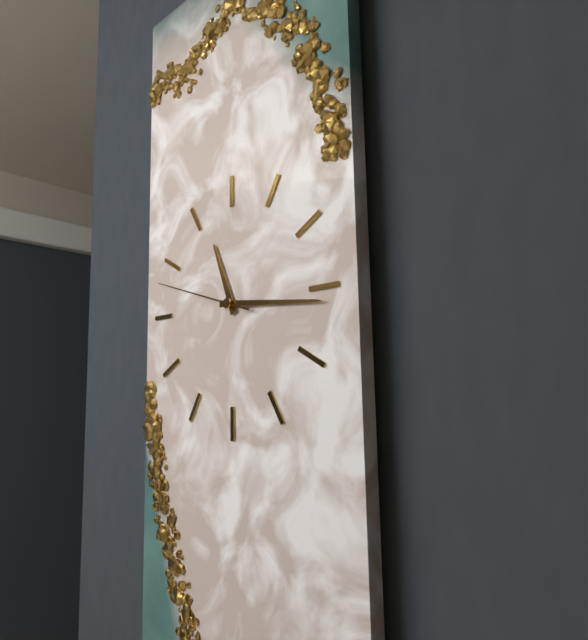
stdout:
h=11 m=16 s=48
